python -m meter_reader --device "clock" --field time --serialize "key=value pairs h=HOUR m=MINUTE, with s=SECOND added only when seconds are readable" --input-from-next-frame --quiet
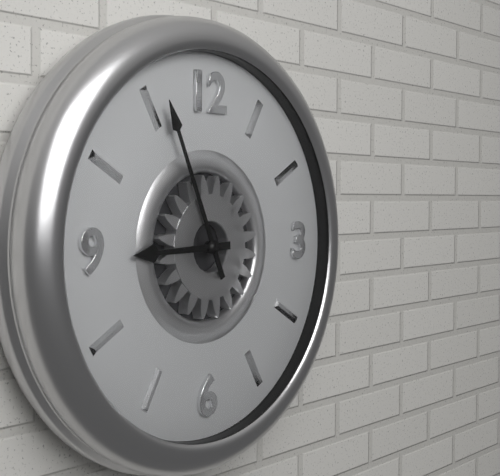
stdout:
h=8 m=56
